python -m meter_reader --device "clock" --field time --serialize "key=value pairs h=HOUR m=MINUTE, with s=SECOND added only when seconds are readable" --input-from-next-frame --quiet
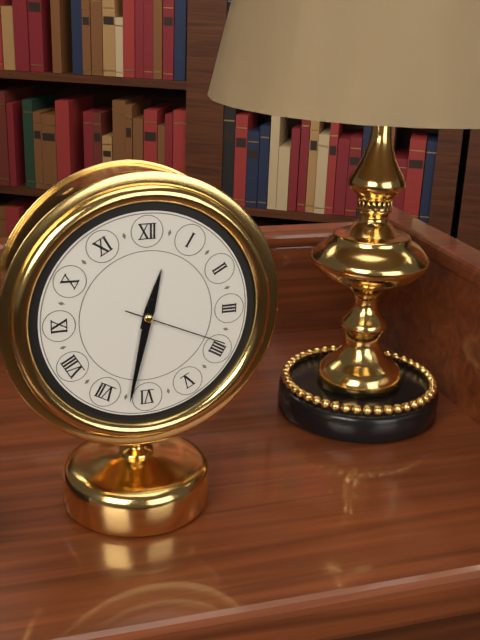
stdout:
h=12 m=32 s=19
